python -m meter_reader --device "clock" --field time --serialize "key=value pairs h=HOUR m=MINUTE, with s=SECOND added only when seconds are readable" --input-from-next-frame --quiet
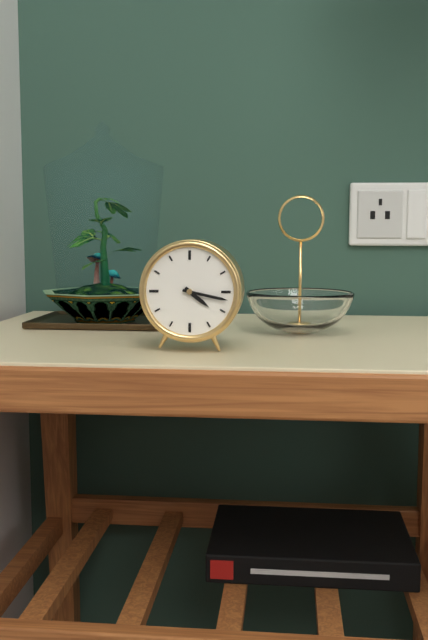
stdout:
h=4 m=17
